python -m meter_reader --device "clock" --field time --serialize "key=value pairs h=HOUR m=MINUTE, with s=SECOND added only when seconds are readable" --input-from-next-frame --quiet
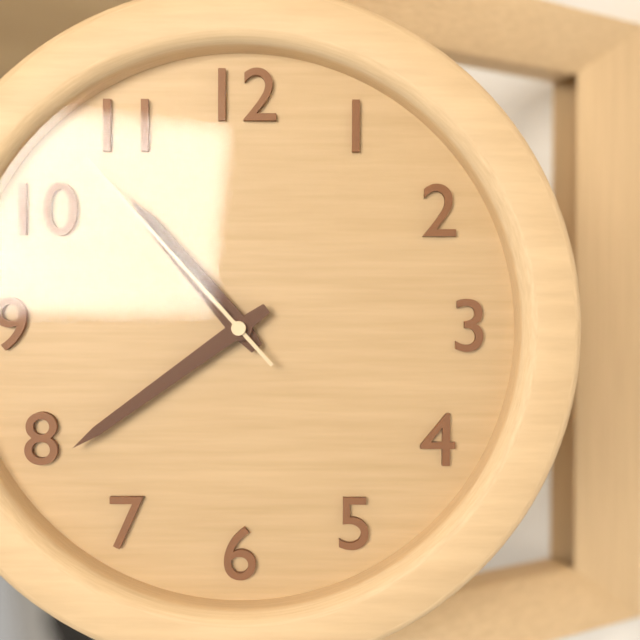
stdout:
h=10 m=39 s=53
